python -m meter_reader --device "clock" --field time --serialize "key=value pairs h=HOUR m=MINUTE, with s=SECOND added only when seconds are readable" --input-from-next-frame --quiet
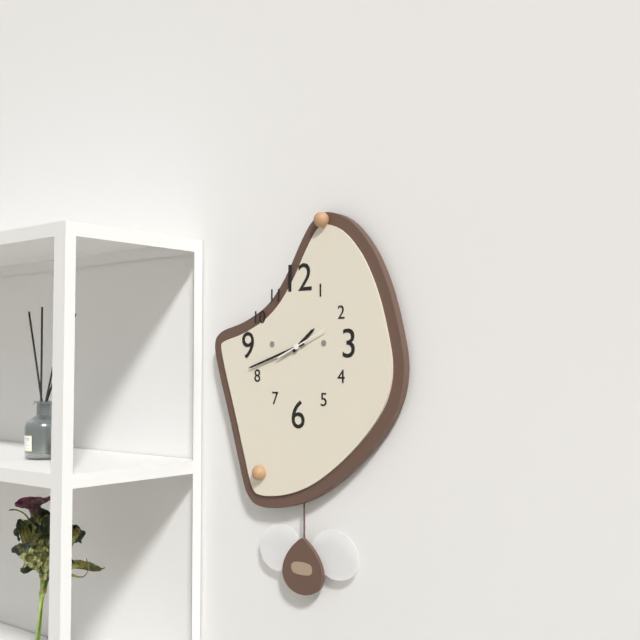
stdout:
h=1 m=42
